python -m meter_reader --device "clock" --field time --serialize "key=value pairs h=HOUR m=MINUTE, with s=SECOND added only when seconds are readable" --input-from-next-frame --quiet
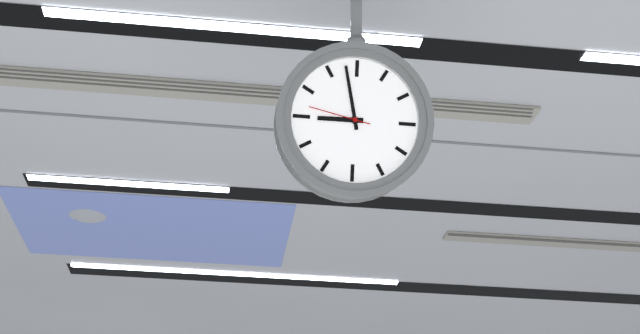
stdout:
h=8 m=58 s=47
